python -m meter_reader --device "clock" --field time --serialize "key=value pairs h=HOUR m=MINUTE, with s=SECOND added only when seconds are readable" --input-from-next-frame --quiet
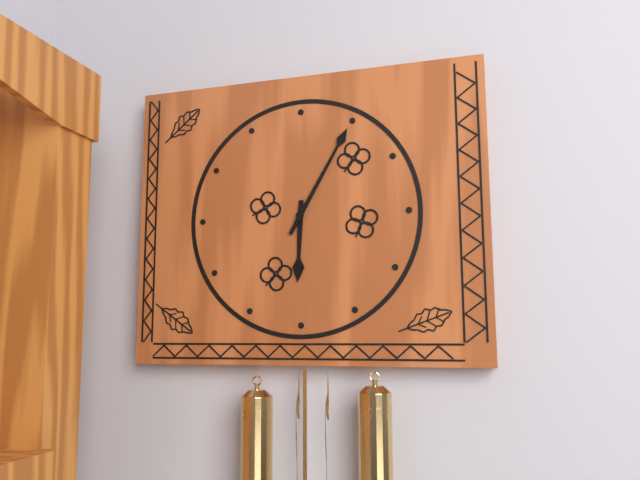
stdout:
h=6 m=5
